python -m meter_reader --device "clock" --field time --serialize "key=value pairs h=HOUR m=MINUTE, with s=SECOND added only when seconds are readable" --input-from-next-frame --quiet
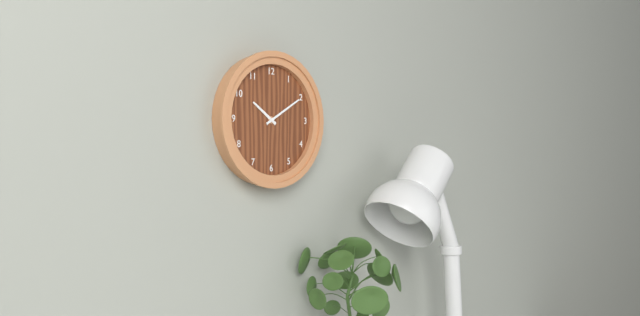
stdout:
h=10 m=10
